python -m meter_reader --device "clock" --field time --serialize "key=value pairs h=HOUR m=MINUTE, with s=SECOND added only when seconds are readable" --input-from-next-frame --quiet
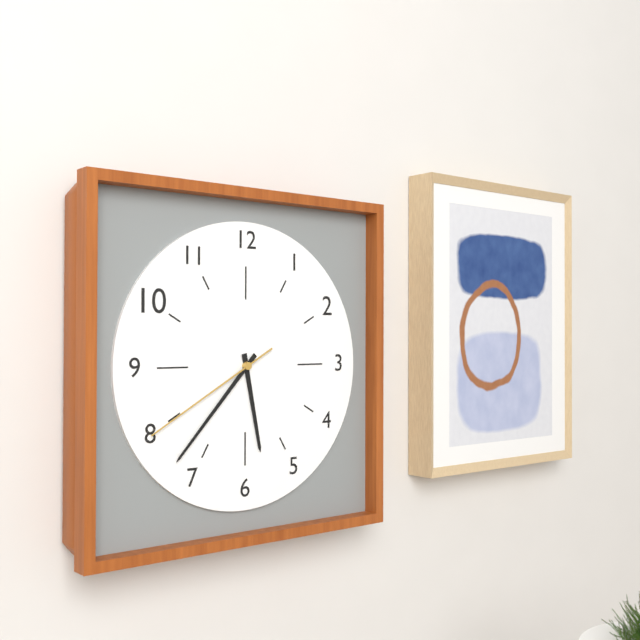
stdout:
h=5 m=37 s=40
